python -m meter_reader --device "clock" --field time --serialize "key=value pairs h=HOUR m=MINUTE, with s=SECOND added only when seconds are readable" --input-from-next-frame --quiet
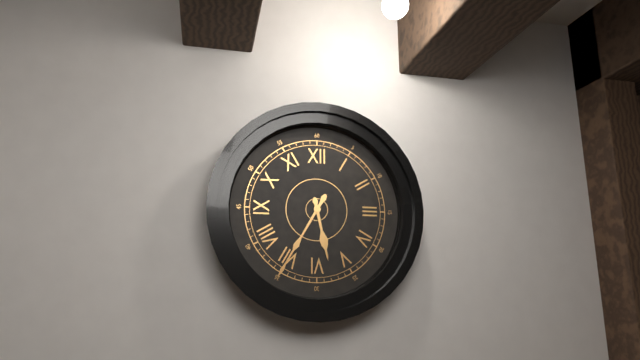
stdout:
h=5 m=35
